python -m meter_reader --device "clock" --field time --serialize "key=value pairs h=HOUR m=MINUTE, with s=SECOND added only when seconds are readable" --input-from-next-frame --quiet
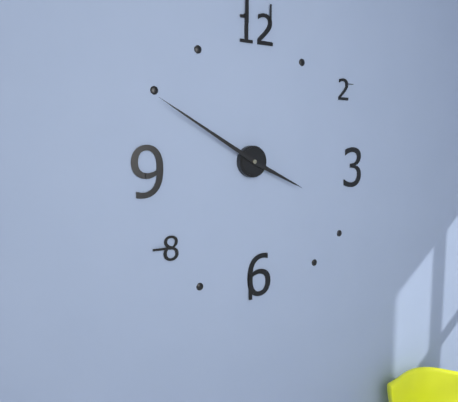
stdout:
h=3 m=50
